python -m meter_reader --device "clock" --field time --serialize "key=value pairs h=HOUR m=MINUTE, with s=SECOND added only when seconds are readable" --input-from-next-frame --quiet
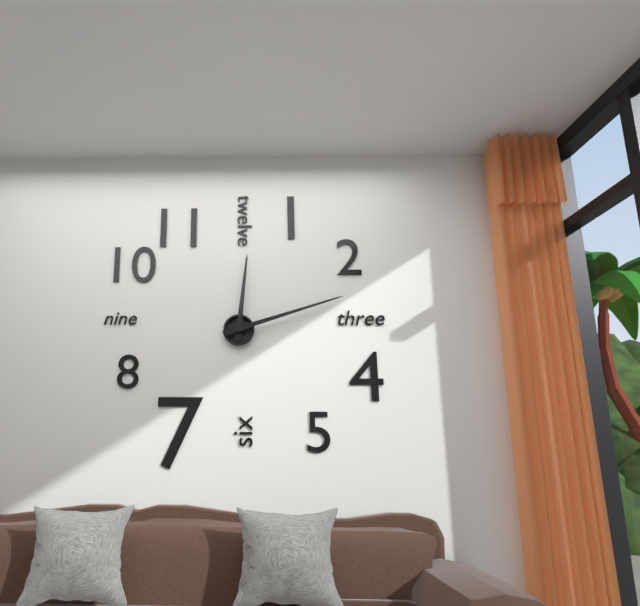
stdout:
h=12 m=12
